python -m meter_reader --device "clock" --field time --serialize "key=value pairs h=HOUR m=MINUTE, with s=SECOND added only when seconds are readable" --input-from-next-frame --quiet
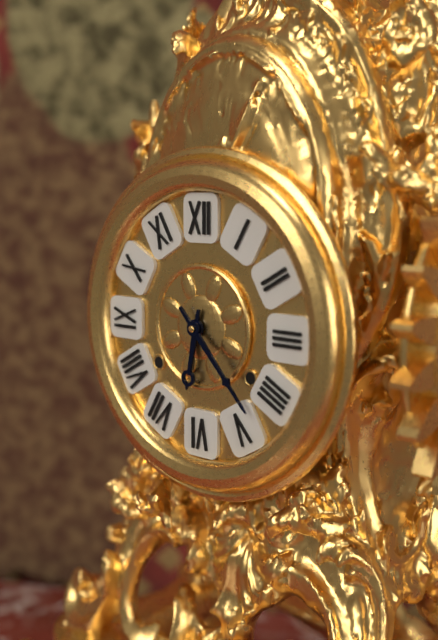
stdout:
h=6 m=23
